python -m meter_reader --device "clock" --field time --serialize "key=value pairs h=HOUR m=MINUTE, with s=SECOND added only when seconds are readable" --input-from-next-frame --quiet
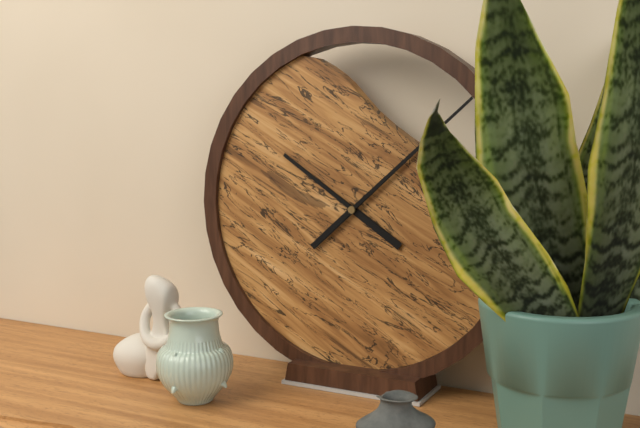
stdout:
h=10 m=8
